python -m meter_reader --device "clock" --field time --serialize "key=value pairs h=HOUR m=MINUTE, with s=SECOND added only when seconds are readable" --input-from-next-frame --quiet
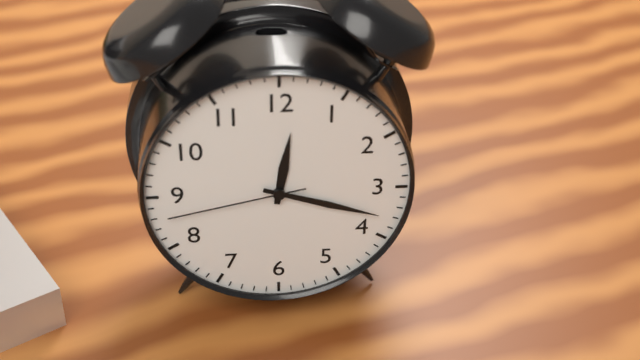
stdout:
h=12 m=18 s=43
